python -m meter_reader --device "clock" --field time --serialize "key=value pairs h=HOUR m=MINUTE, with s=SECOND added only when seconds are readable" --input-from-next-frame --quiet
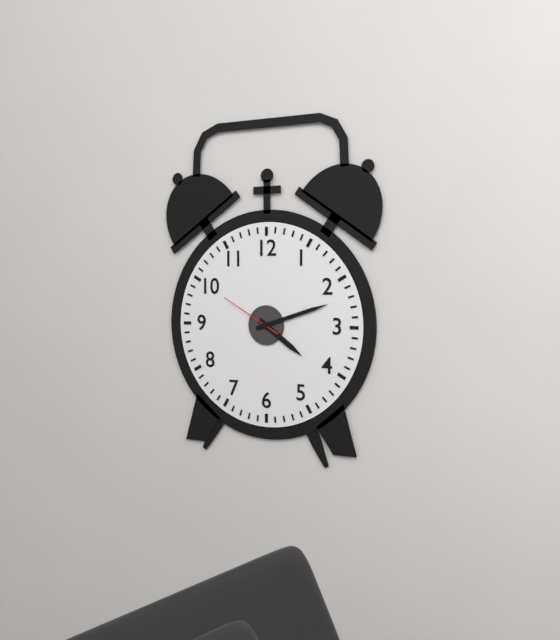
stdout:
h=4 m=12 s=50
